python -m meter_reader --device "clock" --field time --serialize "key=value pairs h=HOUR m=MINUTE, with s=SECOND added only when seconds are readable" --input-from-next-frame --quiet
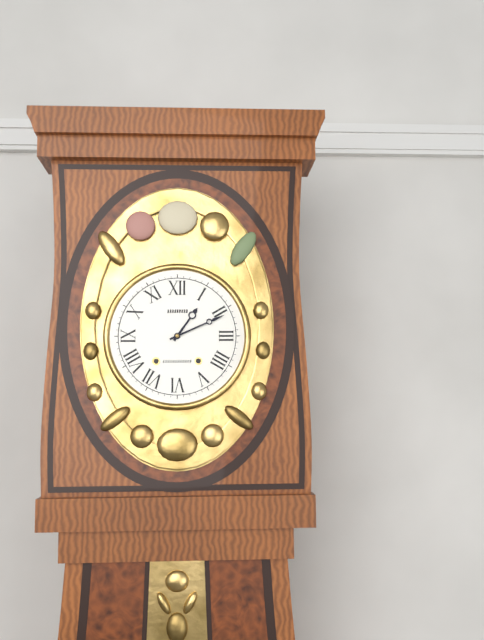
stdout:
h=1 m=11
